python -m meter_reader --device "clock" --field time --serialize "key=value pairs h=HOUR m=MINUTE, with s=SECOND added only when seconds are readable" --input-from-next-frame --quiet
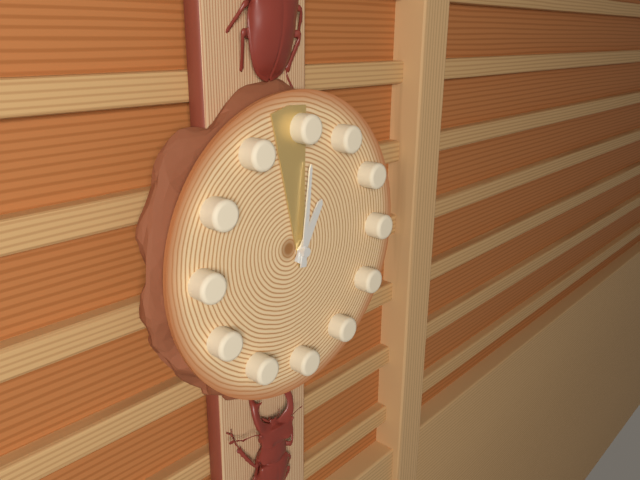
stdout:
h=1 m=1 s=59
